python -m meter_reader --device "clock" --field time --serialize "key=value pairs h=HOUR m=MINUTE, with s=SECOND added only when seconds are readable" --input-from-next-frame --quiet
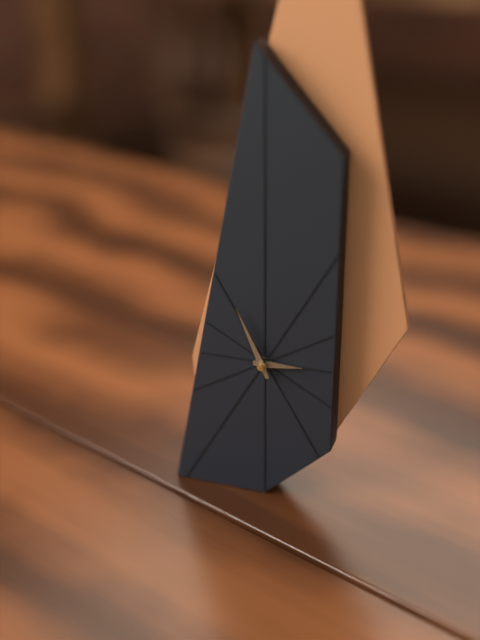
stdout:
h=2 m=56
